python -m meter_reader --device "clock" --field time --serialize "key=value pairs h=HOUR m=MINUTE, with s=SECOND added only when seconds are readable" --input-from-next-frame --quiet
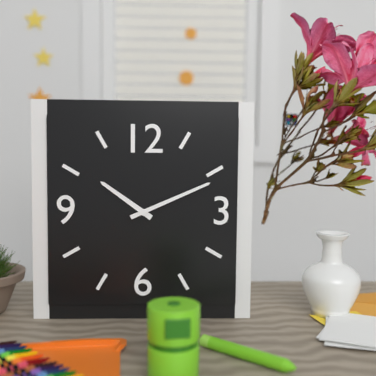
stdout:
h=10 m=11
